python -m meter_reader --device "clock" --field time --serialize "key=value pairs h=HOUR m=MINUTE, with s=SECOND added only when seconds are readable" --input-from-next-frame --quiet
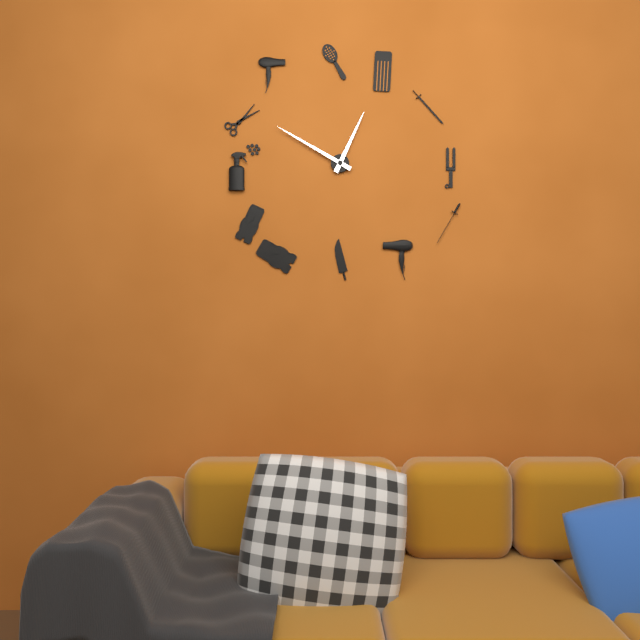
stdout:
h=12 m=50
